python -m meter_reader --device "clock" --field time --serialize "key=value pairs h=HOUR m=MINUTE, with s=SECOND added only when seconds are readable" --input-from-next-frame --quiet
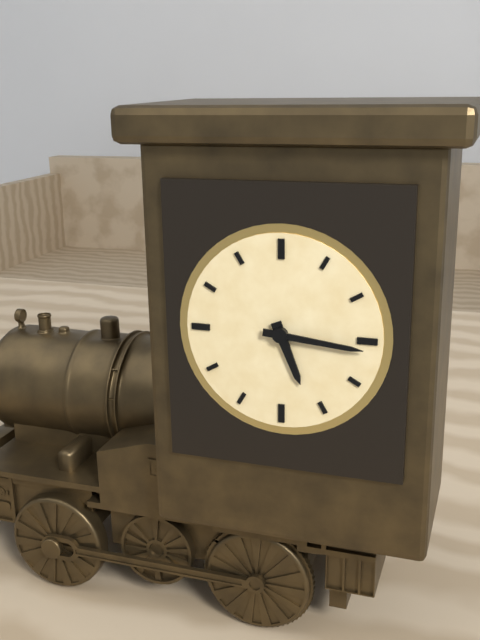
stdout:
h=5 m=16
